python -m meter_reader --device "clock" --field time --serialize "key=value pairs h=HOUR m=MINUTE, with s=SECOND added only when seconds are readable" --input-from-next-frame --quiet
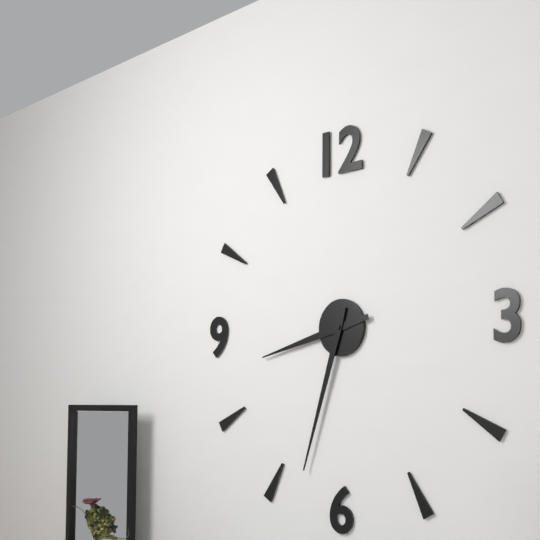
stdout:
h=8 m=33
